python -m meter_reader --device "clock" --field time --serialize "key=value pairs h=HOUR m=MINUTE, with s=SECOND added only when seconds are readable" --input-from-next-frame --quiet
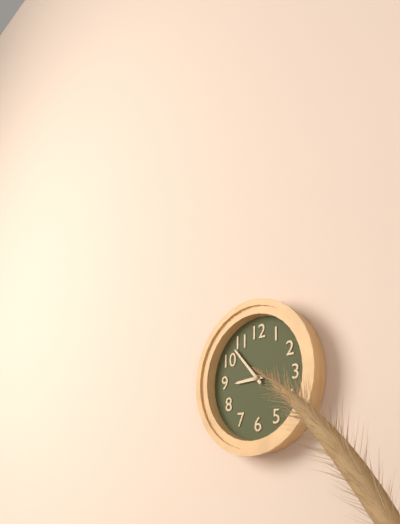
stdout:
h=8 m=53
